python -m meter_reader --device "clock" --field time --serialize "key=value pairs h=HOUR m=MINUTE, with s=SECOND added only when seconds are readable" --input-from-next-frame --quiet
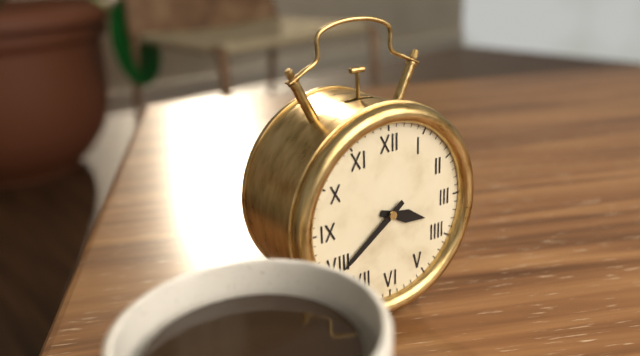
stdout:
h=3 m=39
